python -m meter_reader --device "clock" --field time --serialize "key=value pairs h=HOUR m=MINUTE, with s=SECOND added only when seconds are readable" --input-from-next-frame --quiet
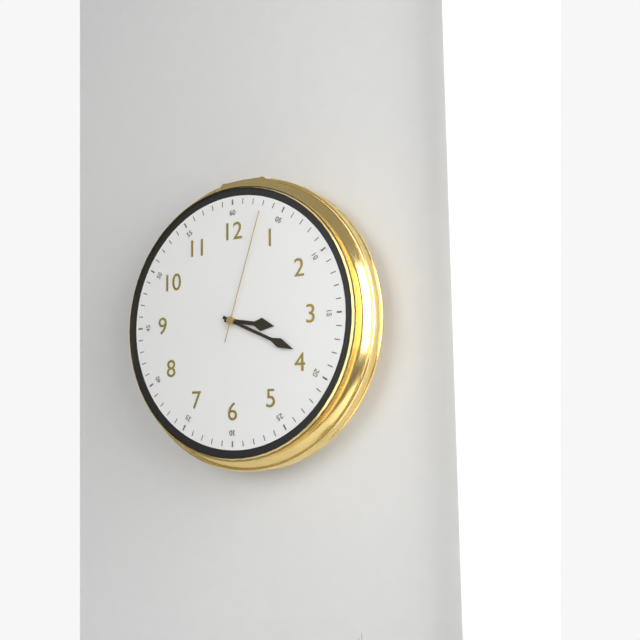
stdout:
h=3 m=19 s=3
